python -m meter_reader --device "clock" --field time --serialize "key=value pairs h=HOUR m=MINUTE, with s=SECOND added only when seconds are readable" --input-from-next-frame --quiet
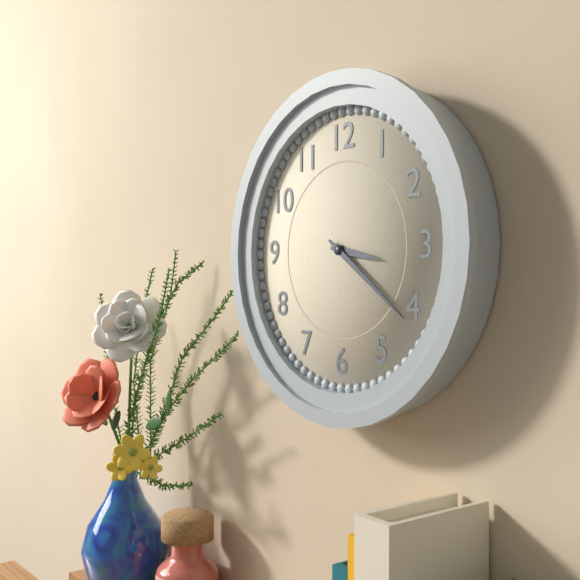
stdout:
h=3 m=21
